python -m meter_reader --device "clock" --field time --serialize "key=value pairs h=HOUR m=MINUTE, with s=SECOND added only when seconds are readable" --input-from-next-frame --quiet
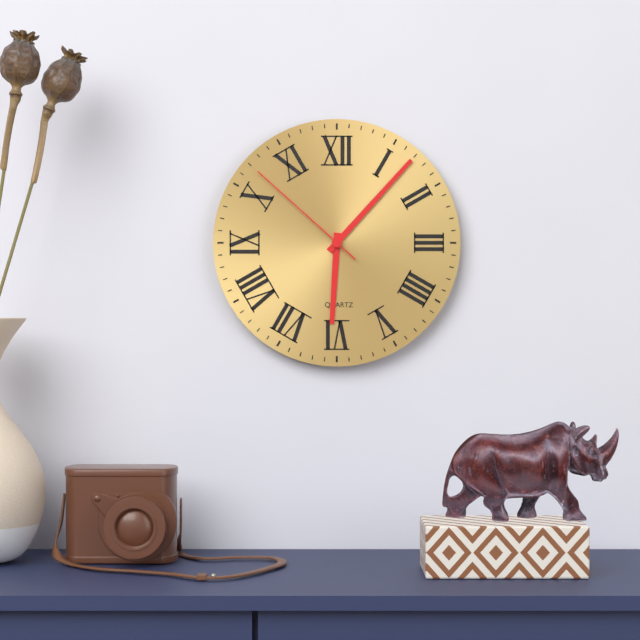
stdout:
h=6 m=7 s=52
